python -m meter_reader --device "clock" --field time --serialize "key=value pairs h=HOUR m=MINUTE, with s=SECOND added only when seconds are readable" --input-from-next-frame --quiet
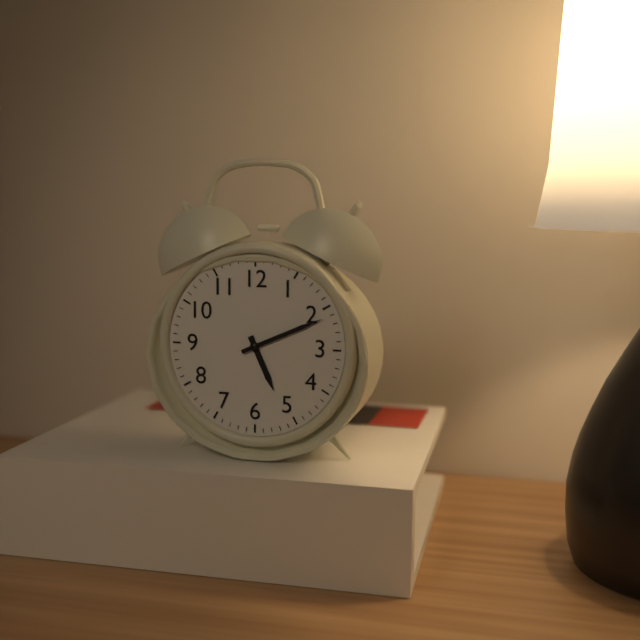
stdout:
h=5 m=11
